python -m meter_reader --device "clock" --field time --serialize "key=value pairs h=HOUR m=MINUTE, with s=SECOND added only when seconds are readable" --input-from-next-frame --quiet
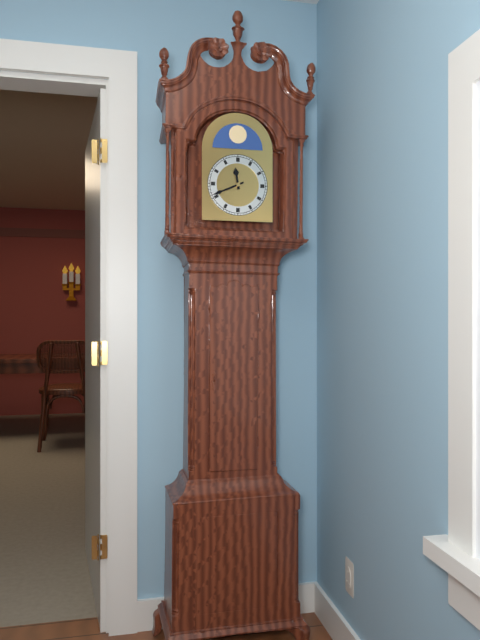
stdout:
h=11 m=41
